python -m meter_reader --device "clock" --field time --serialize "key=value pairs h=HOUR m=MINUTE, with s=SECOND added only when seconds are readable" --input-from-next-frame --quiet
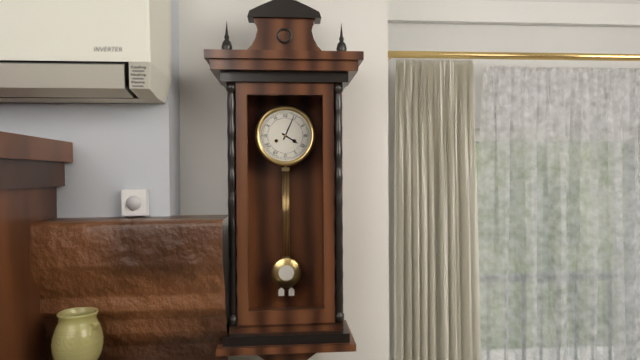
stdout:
h=4 m=4
